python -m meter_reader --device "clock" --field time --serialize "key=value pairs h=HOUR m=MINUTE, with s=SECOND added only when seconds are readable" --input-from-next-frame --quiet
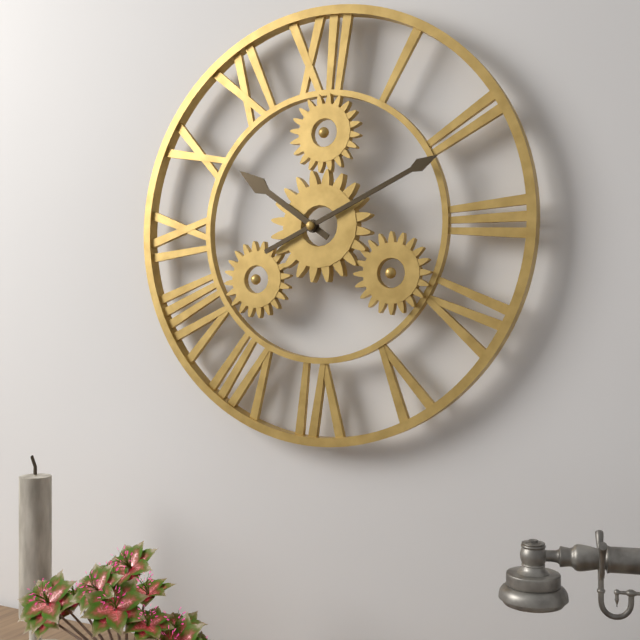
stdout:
h=10 m=11
